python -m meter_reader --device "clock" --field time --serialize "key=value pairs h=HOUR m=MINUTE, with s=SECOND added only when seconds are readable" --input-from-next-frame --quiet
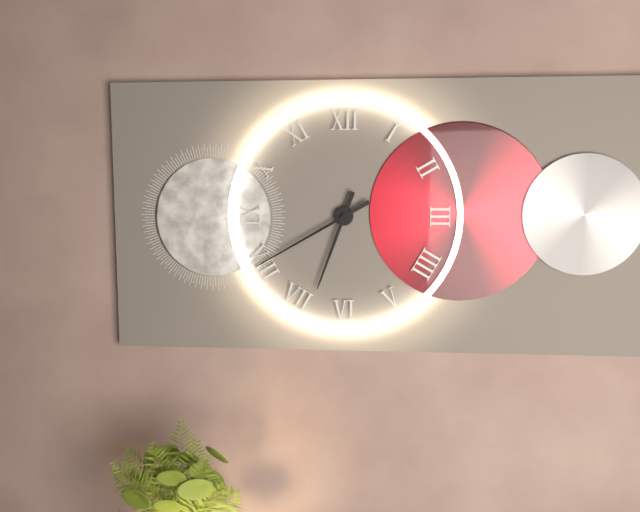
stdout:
h=6 m=40
